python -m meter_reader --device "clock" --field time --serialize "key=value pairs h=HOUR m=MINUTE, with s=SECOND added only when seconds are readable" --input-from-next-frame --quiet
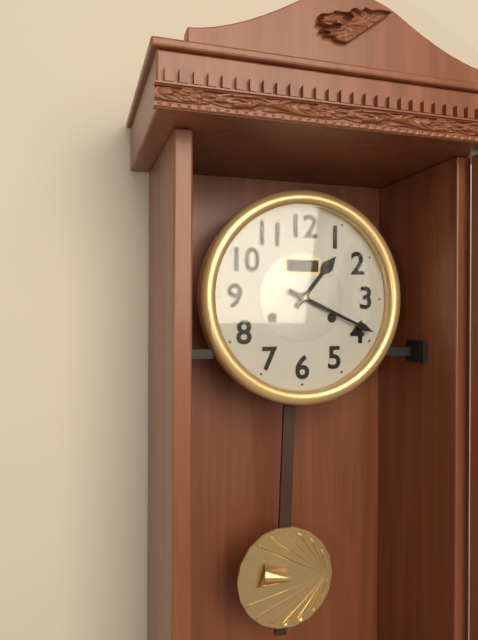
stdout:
h=1 m=19
